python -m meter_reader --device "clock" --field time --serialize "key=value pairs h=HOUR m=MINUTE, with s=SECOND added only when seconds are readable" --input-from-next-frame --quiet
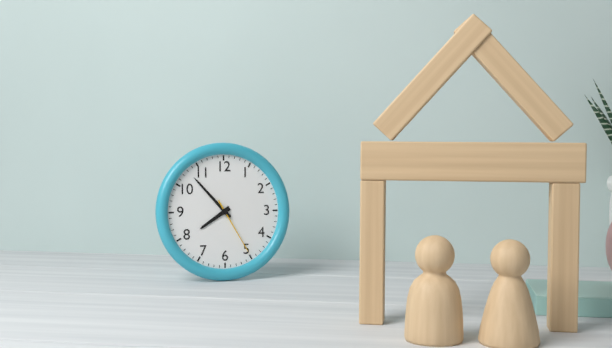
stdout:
h=7 m=53 s=25
